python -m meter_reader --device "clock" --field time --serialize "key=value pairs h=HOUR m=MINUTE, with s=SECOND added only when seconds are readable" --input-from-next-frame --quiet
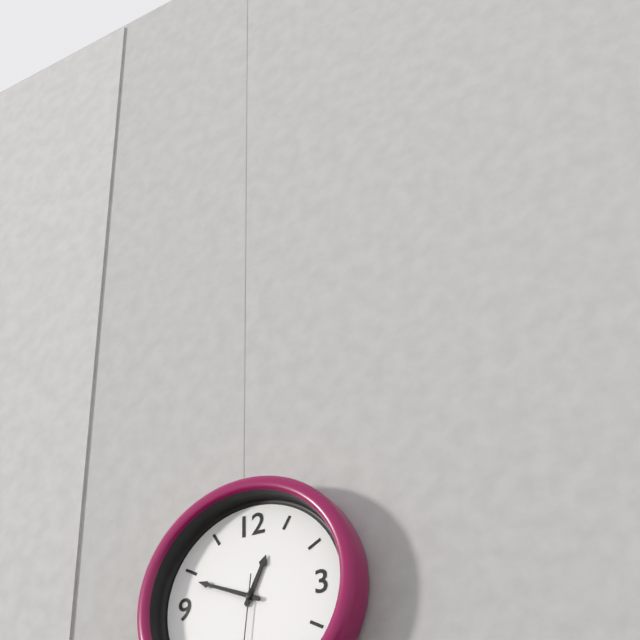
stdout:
h=12 m=49
